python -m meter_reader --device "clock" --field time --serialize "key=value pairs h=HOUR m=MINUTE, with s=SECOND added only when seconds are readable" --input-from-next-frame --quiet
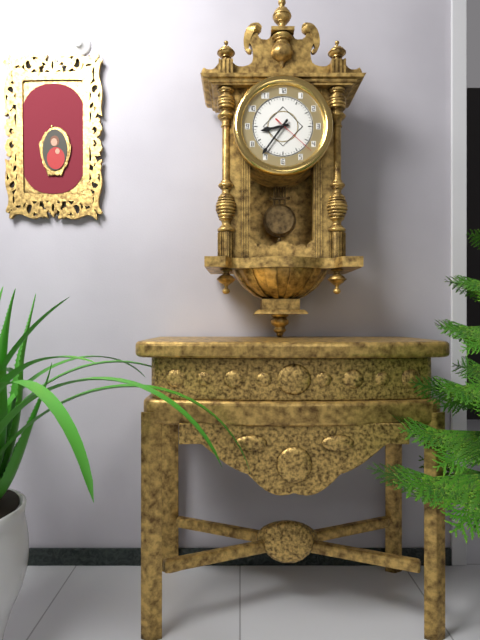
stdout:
h=8 m=36
